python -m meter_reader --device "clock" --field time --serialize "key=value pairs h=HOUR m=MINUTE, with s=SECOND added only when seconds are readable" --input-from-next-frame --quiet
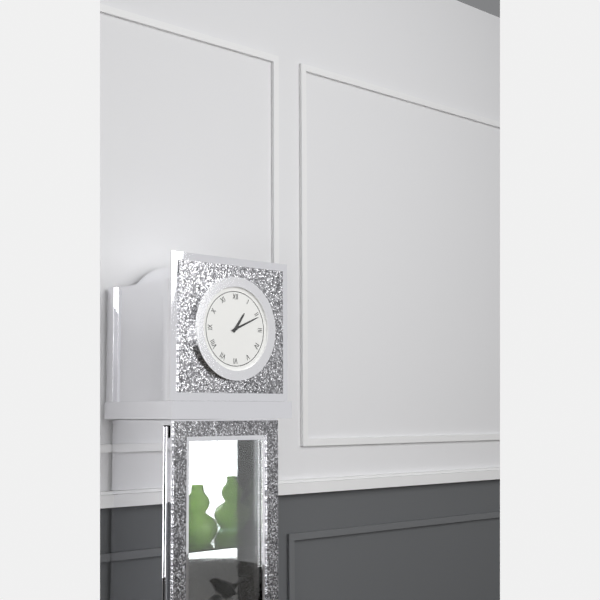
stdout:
h=1 m=11
